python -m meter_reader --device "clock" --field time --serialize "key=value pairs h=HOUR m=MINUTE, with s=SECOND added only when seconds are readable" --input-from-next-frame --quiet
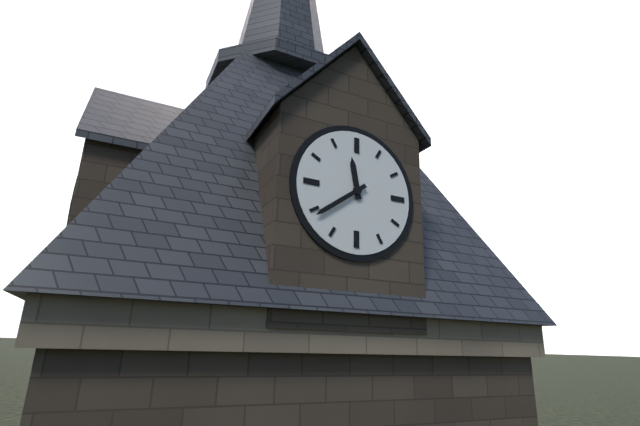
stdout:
h=11 m=39
